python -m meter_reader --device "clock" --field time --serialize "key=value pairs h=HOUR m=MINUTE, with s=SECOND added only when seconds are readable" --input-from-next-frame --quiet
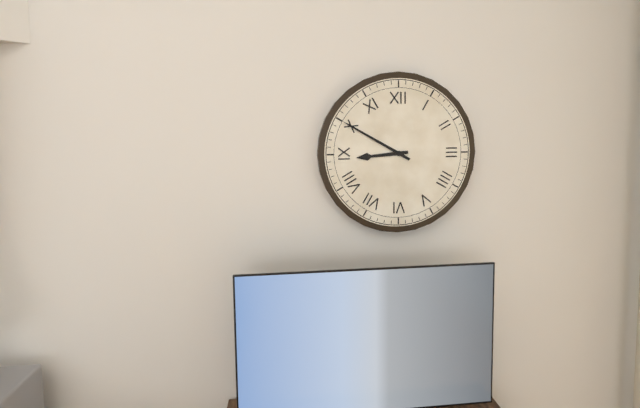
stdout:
h=8 m=50
